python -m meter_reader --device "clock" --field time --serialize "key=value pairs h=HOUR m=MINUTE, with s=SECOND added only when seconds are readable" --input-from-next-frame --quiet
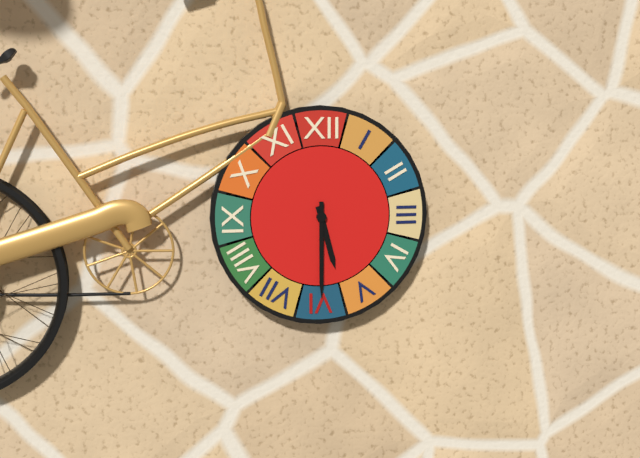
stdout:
h=5 m=30
